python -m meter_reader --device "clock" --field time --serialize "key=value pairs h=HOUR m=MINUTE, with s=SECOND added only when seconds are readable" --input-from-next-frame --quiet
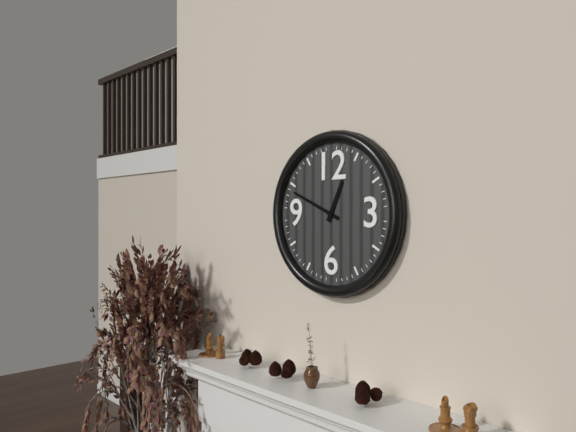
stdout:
h=12 m=49
